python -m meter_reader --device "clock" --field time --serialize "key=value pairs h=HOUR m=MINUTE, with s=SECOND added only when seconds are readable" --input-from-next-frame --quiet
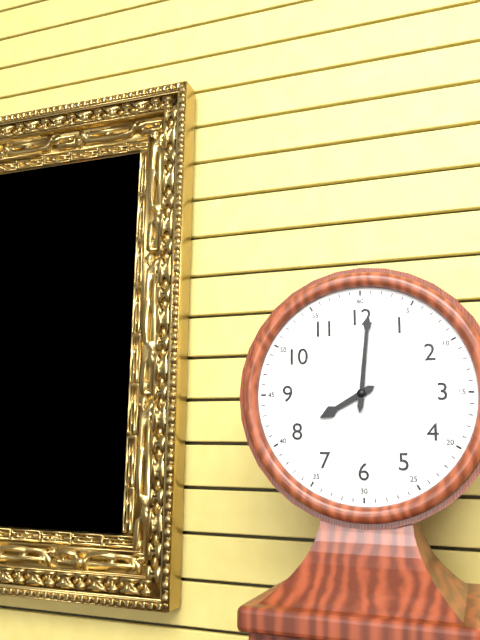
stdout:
h=8 m=1
